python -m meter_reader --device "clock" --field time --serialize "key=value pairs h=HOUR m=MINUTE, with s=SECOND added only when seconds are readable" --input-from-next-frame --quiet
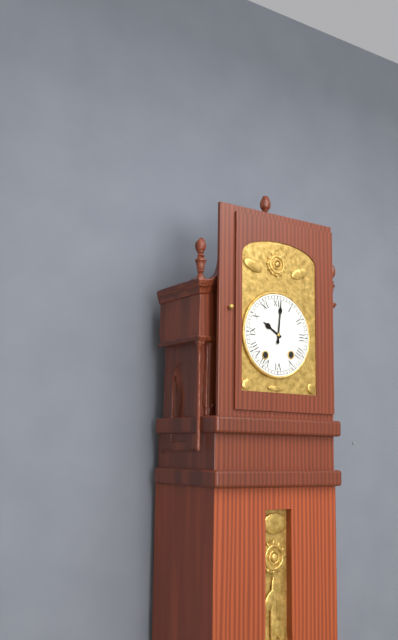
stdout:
h=10 m=1
